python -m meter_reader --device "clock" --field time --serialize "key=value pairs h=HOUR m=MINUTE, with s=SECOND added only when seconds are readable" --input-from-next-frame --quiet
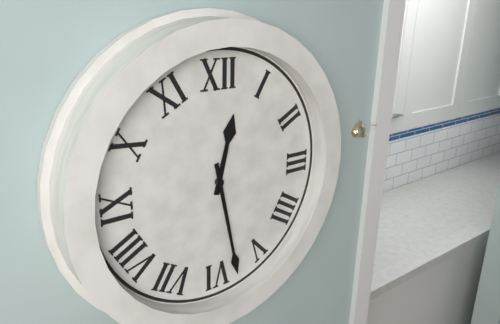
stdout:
h=12 m=28
